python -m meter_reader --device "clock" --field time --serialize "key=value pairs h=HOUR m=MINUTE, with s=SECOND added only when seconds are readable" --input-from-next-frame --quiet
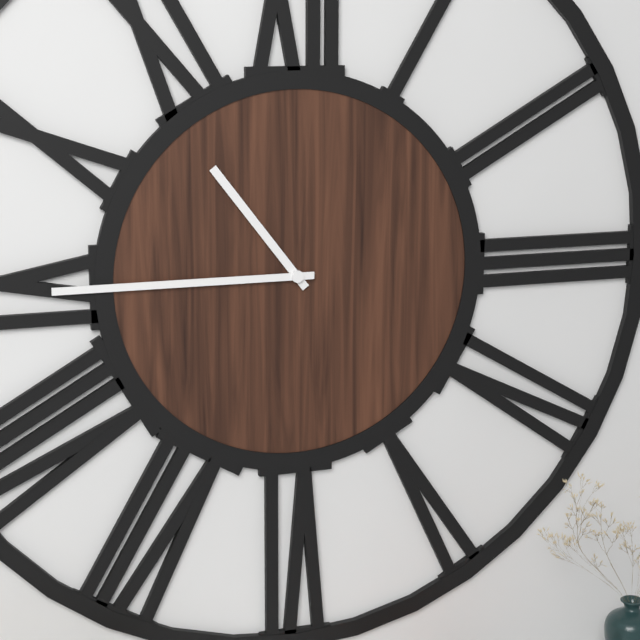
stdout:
h=10 m=45
